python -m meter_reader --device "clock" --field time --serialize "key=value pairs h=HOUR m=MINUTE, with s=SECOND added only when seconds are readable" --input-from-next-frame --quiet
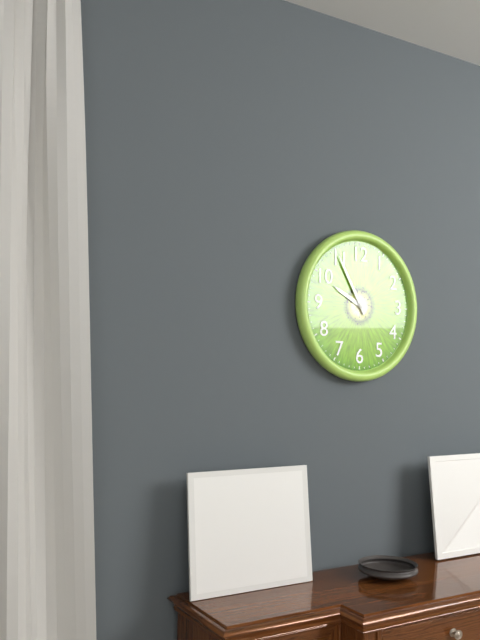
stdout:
h=9 m=55
